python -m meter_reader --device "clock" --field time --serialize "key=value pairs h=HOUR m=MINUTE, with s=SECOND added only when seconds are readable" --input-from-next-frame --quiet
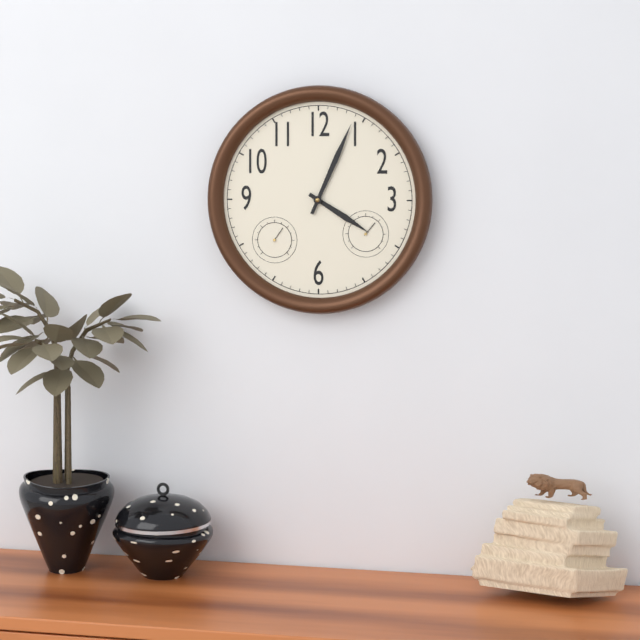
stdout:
h=4 m=4
